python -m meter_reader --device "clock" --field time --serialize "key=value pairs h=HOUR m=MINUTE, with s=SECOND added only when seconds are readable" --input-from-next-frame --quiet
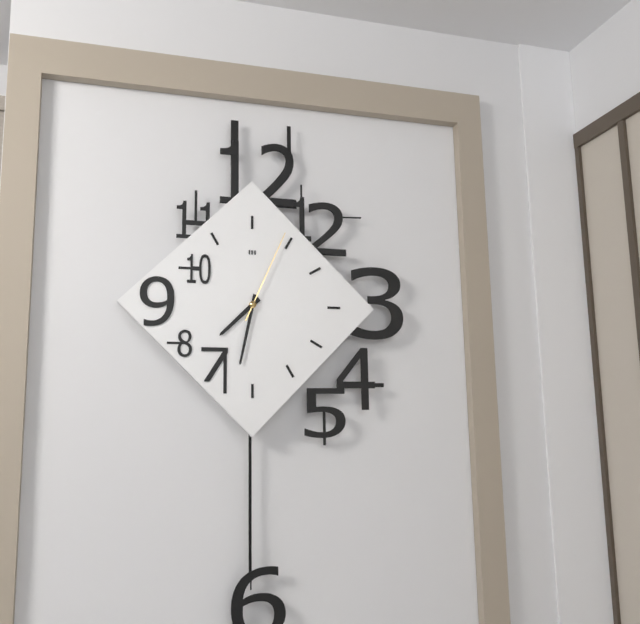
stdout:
h=7 m=32 s=4
